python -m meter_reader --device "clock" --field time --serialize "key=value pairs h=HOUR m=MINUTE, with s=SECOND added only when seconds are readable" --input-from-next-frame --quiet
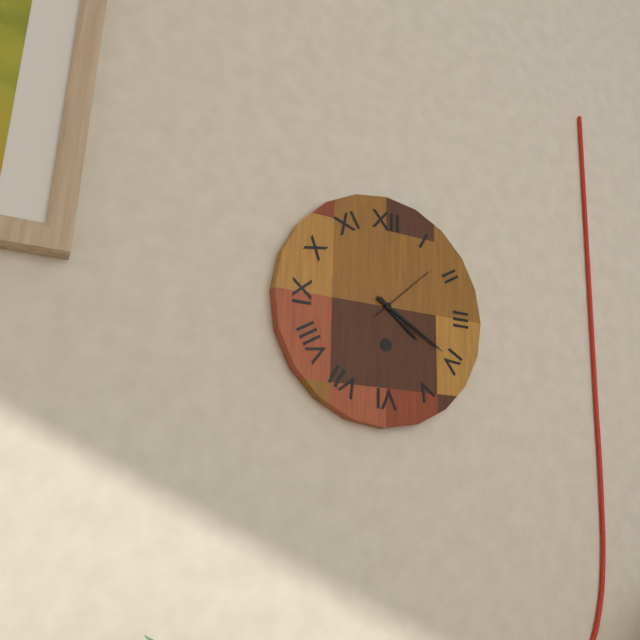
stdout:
h=4 m=20 s=8
